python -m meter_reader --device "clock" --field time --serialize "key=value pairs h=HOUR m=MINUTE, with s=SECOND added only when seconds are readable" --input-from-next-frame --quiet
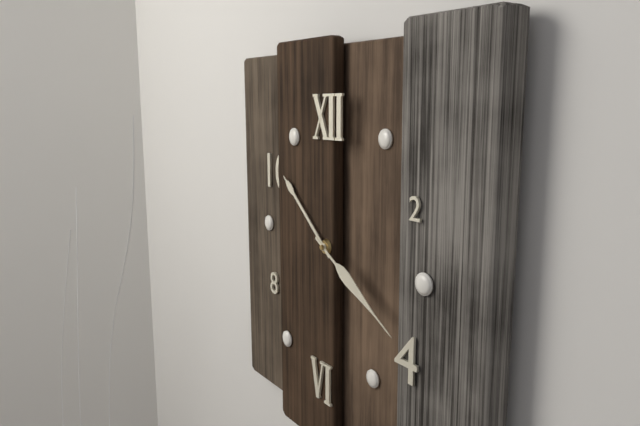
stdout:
h=10 m=20
